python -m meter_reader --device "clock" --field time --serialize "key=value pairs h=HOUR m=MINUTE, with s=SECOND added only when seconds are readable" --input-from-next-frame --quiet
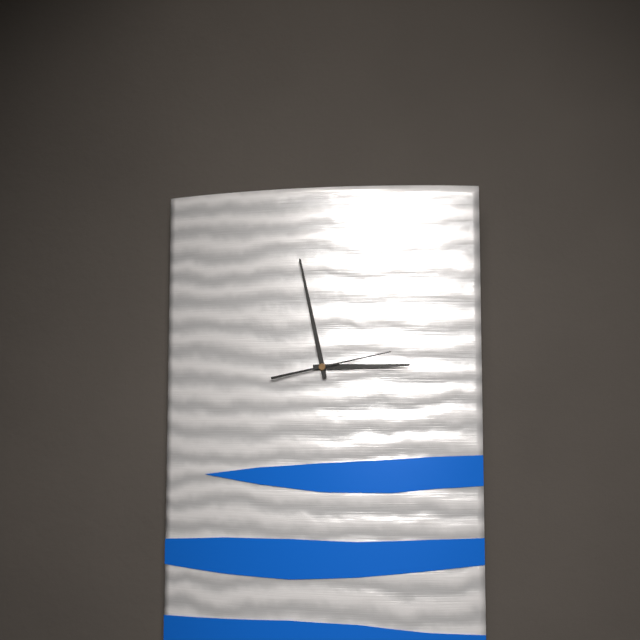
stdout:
h=2 m=58 s=13
